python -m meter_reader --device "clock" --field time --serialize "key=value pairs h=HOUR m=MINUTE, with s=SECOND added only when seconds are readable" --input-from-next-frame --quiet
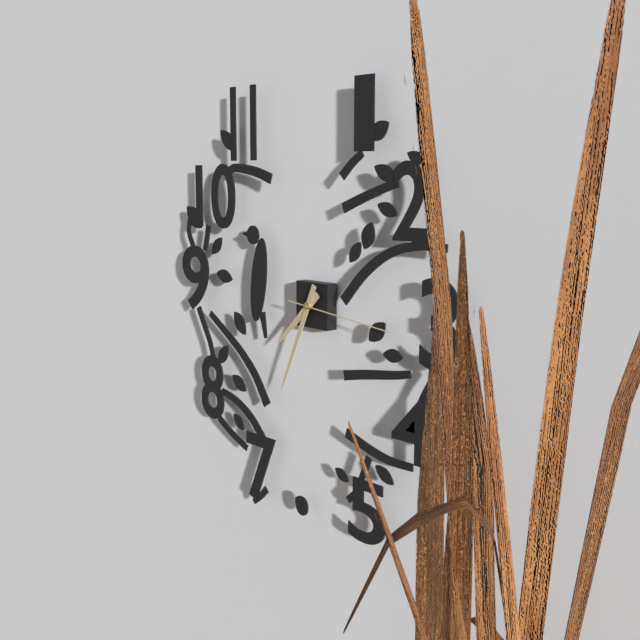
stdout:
h=7 m=34 s=16
